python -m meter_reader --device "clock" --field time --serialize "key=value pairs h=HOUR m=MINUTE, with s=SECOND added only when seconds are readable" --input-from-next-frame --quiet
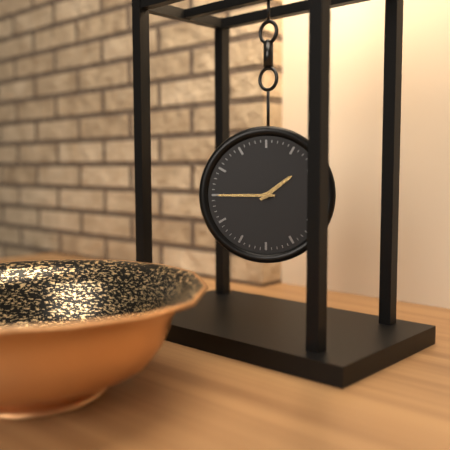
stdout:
h=1 m=45
